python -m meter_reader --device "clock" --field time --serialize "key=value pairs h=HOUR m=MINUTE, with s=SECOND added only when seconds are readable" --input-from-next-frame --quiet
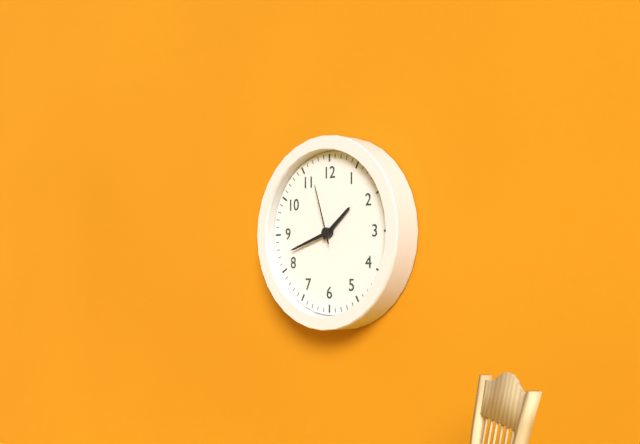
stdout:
h=1 m=42 s=57
